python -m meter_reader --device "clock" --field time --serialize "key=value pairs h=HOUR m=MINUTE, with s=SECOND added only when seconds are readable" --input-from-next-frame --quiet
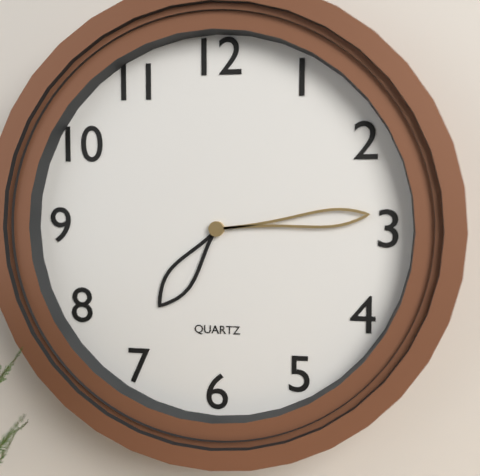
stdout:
h=7 m=14
